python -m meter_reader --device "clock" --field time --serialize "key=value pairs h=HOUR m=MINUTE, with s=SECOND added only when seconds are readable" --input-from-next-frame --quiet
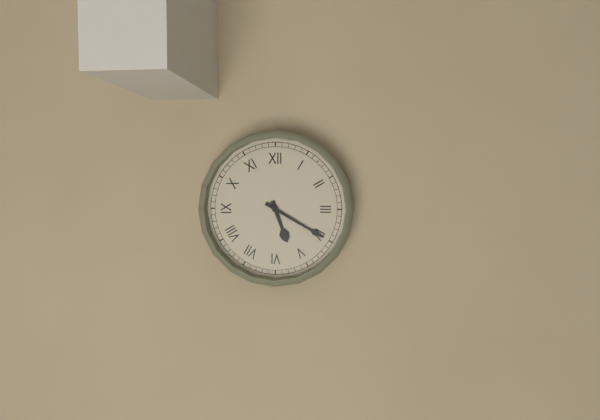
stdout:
h=5 m=20
